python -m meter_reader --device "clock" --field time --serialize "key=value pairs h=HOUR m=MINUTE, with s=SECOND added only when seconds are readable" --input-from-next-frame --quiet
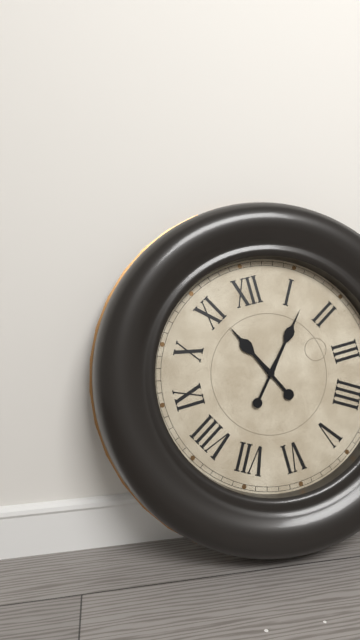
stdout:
h=11 m=7
